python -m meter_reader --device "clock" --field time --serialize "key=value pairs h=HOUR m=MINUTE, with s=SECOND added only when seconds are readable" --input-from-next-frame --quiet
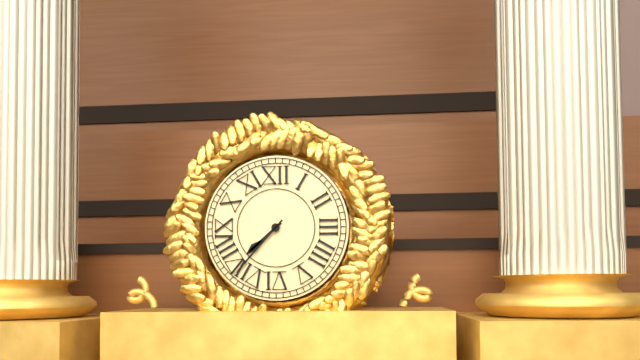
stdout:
h=7 m=37
